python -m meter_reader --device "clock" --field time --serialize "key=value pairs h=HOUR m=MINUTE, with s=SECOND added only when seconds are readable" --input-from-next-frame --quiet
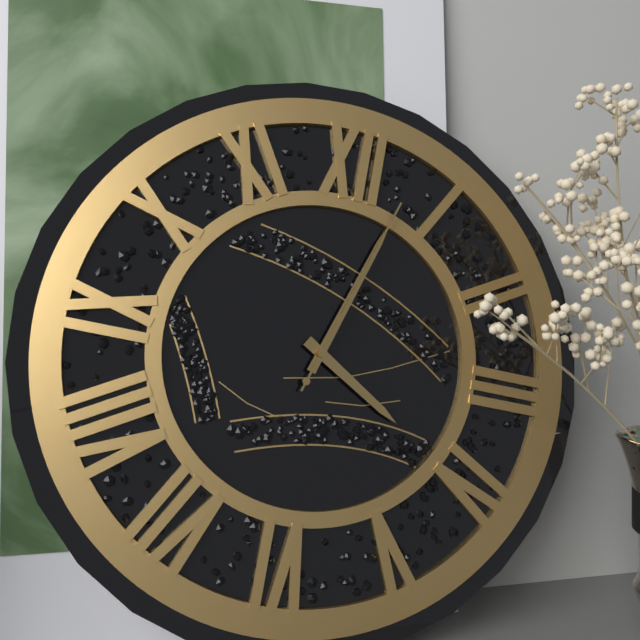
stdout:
h=4 m=3 s=3
